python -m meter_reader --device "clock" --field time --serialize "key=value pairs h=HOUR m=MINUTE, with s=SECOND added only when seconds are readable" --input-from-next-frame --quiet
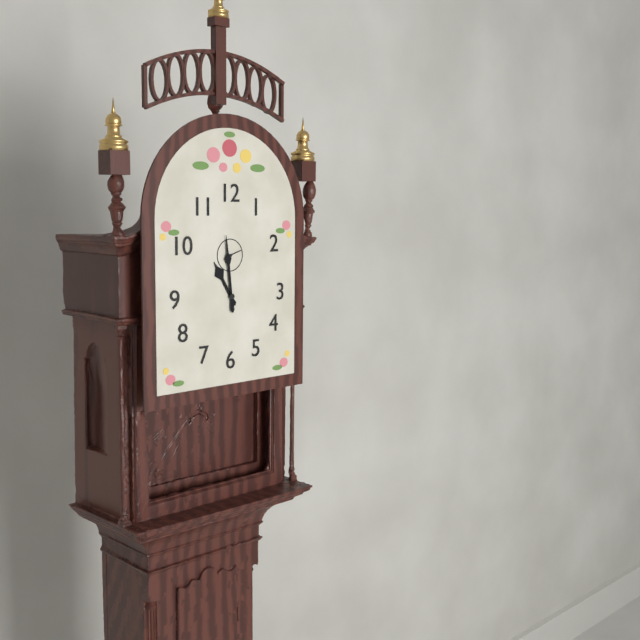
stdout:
h=10 m=59
